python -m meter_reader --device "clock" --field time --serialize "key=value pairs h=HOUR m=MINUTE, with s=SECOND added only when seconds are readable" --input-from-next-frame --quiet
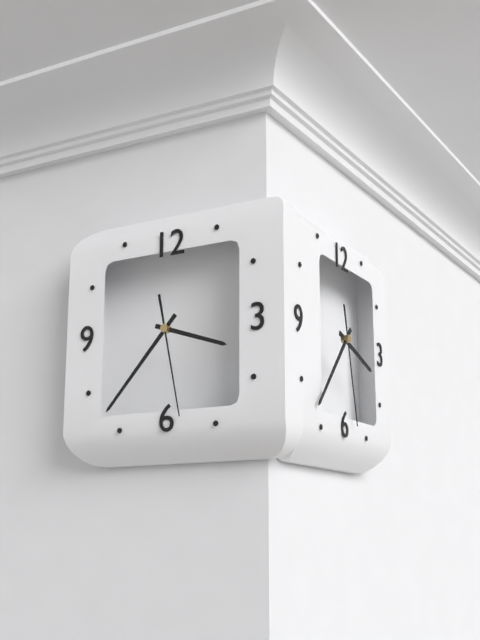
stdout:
h=3 m=37 s=28
